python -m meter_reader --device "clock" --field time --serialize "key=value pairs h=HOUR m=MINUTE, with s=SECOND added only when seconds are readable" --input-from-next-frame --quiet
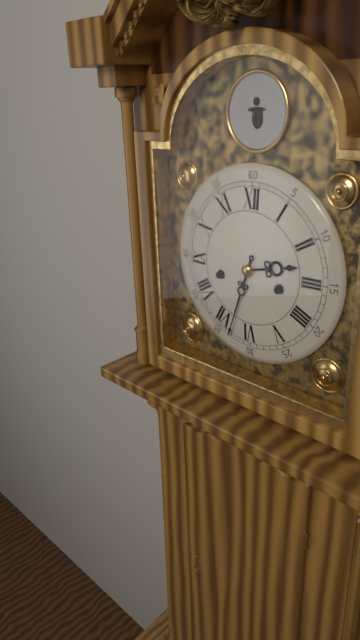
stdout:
h=2 m=33
